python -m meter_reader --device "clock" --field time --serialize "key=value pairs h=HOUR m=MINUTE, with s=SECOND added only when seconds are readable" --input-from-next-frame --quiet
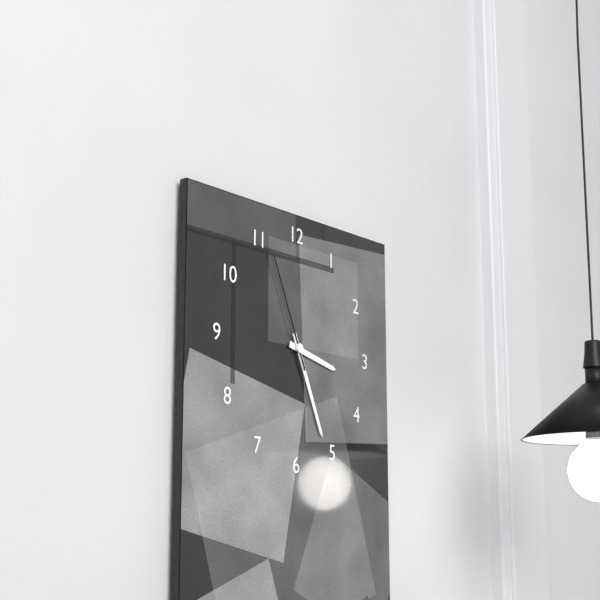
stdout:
h=3 m=26 s=56
